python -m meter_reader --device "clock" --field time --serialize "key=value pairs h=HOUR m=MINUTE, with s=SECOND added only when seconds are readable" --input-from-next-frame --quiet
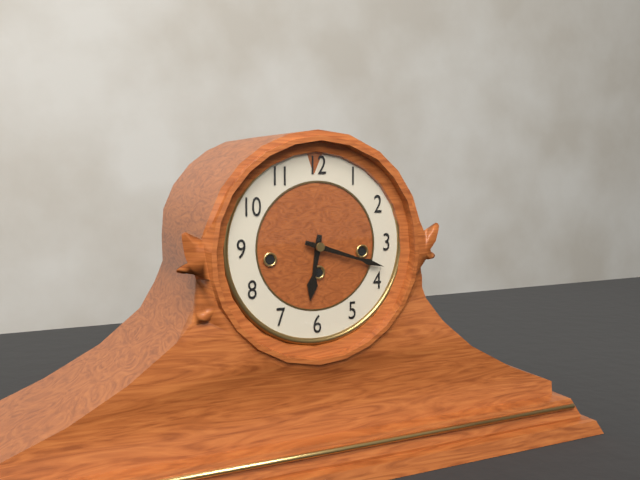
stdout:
h=6 m=18
